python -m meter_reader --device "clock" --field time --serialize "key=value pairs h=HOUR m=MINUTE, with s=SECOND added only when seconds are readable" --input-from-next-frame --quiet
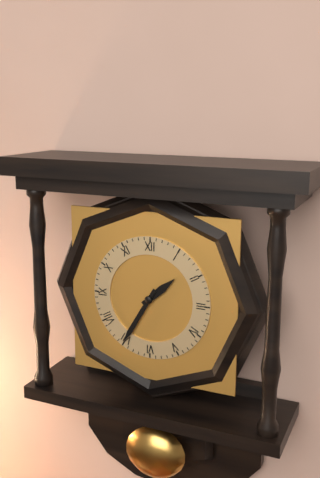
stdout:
h=1 m=35
